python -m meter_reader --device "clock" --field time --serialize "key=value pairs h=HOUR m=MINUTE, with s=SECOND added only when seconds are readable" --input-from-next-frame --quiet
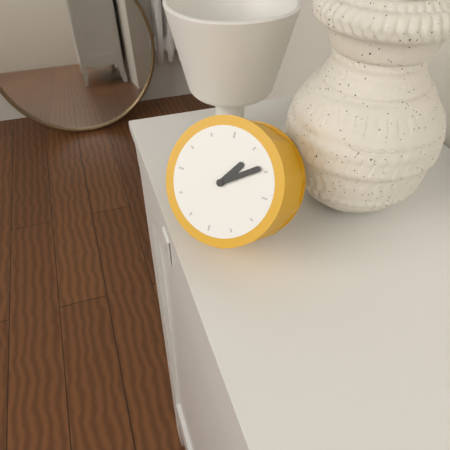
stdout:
h=1 m=9
